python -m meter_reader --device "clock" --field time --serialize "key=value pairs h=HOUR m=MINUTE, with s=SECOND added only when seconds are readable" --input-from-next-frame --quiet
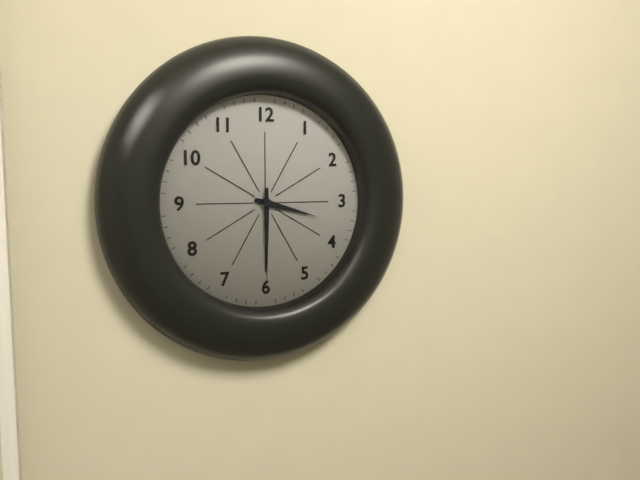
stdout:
h=3 m=30
